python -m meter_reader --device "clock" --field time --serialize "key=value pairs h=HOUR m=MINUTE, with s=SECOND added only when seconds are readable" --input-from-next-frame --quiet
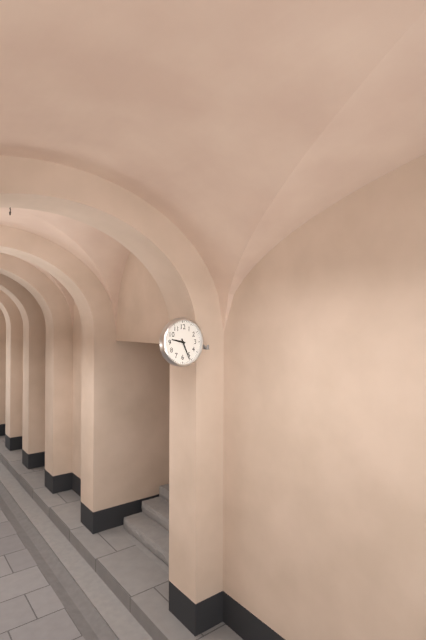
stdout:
h=9 m=26
